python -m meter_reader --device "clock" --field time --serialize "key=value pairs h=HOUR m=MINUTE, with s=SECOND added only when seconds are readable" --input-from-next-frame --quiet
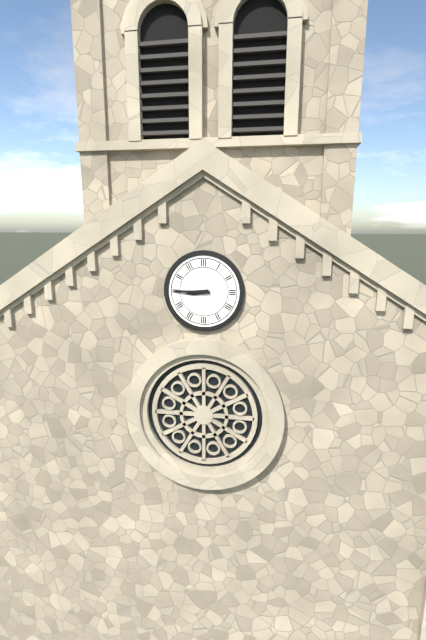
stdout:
h=8 m=45
